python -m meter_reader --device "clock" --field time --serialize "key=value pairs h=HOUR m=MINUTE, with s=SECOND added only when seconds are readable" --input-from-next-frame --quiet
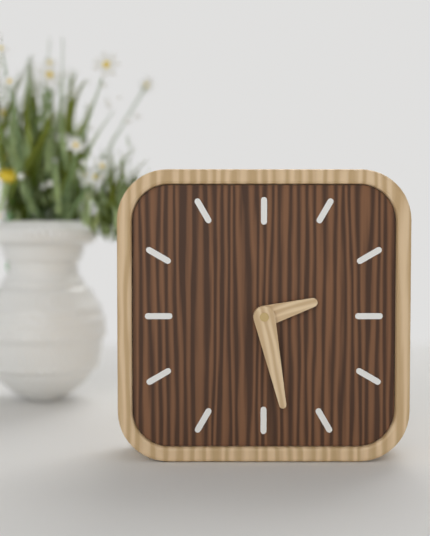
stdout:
h=2 m=28
